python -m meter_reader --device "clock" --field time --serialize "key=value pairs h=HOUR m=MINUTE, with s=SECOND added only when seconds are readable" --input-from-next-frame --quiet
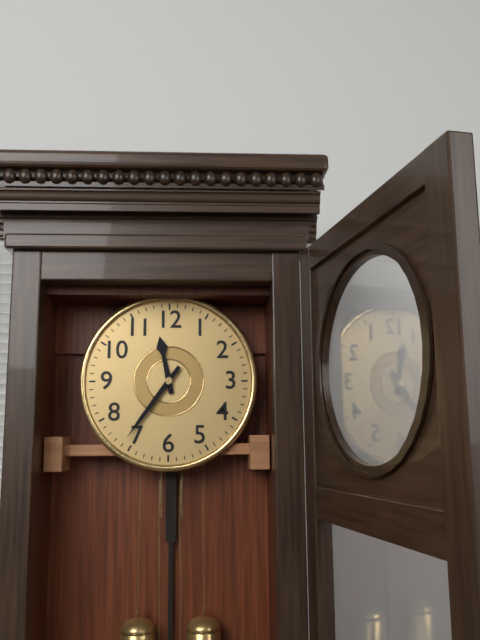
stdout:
h=11 m=36
